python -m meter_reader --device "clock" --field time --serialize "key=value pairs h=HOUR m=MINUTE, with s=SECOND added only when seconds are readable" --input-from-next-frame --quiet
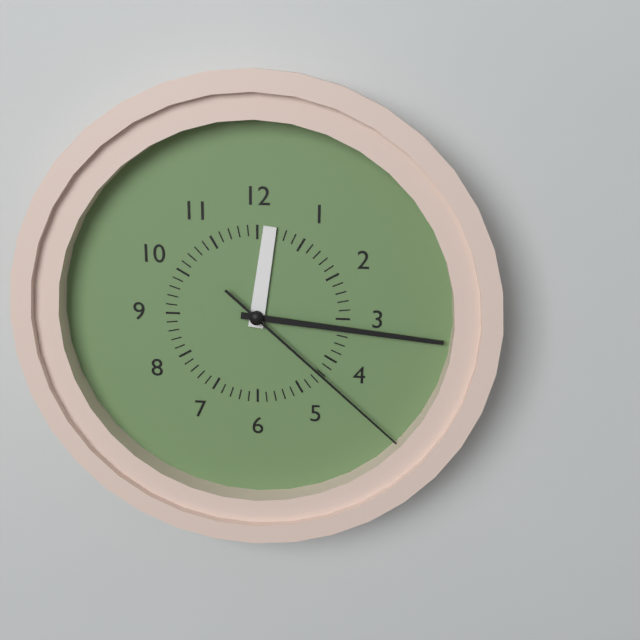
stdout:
h=12 m=16 s=22
